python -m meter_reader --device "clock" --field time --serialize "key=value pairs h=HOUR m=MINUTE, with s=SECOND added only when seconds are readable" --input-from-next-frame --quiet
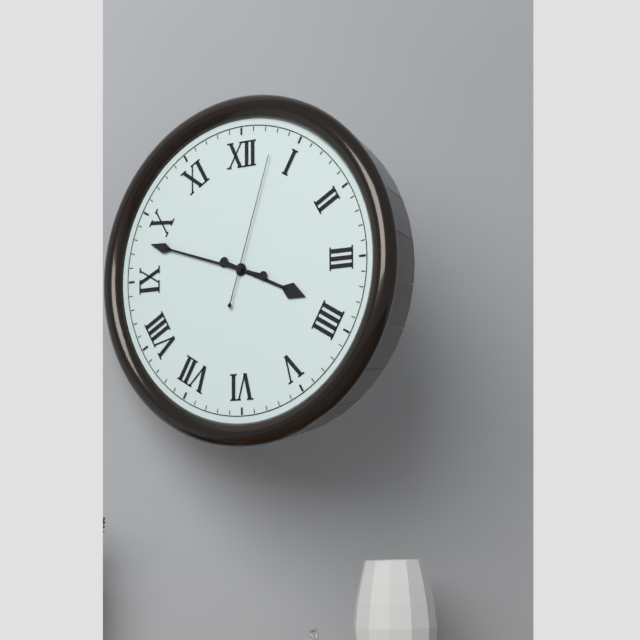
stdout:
h=3 m=48 s=3
